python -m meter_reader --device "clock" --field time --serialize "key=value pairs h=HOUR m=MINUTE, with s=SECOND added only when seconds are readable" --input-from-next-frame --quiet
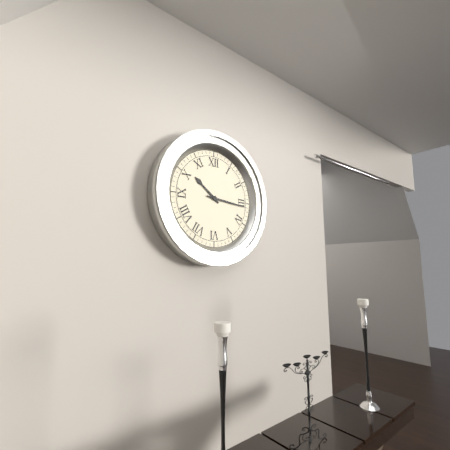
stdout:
h=10 m=16
